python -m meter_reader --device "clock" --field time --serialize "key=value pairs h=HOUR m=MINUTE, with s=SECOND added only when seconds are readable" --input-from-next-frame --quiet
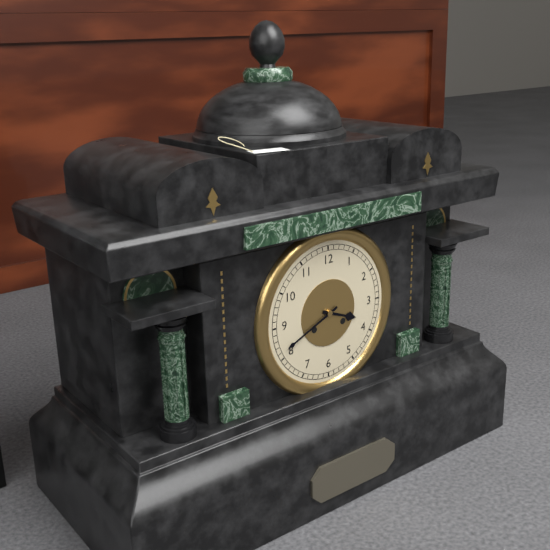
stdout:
h=3 m=41
